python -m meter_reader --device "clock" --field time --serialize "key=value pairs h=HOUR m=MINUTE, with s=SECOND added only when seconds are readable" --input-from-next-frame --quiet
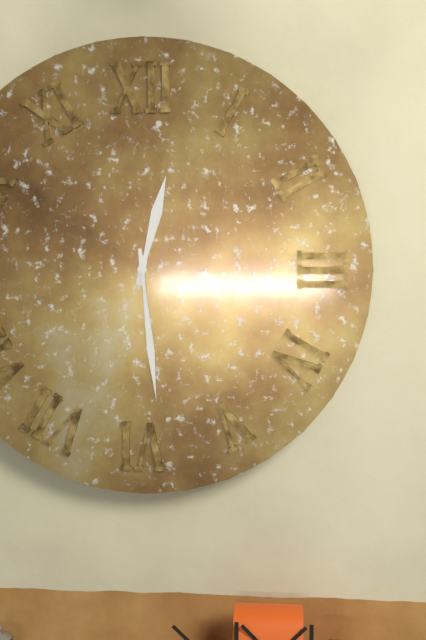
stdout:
h=12 m=29
